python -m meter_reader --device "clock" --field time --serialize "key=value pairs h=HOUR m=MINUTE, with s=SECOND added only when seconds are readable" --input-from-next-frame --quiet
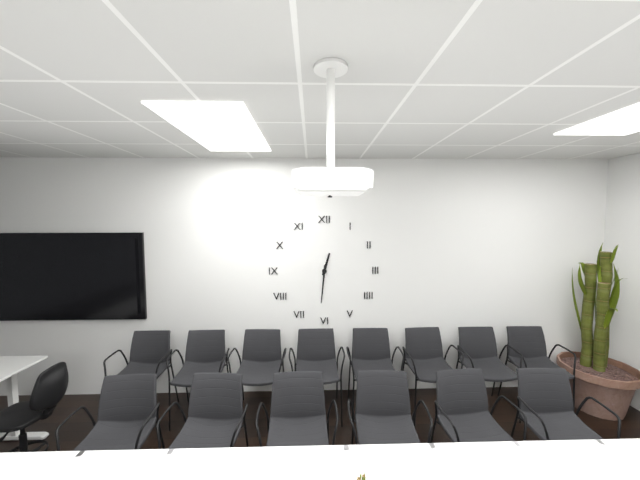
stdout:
h=12 m=31
